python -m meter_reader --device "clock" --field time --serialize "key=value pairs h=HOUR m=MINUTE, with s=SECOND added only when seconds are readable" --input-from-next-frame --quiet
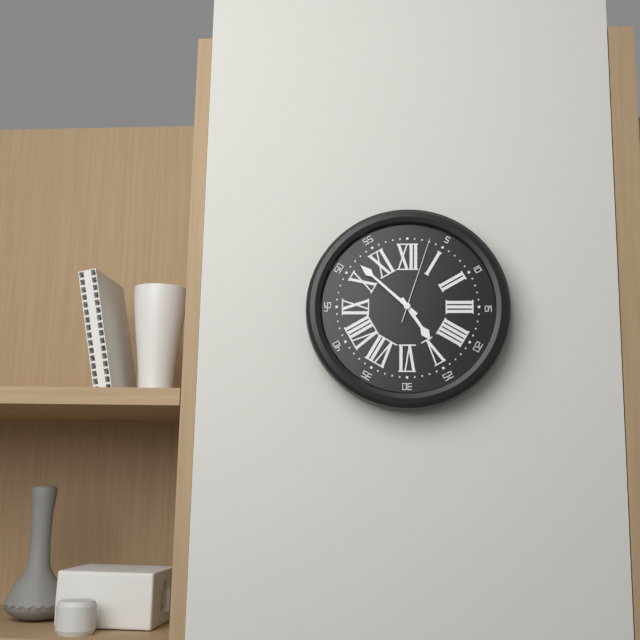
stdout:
h=4 m=52 s=3
